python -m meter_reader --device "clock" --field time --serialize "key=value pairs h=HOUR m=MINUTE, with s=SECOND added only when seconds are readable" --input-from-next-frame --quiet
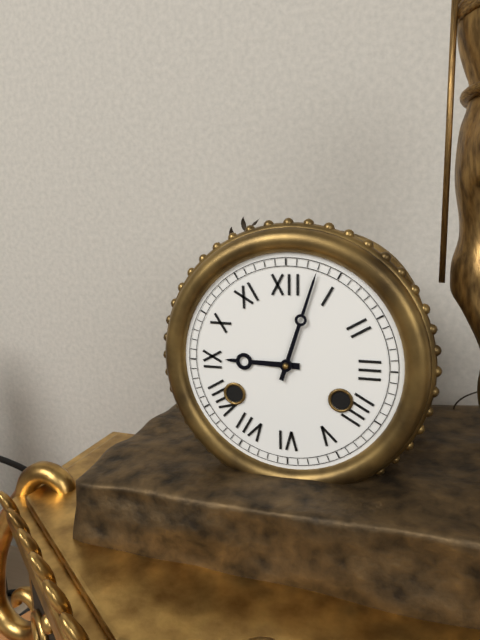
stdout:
h=9 m=3
